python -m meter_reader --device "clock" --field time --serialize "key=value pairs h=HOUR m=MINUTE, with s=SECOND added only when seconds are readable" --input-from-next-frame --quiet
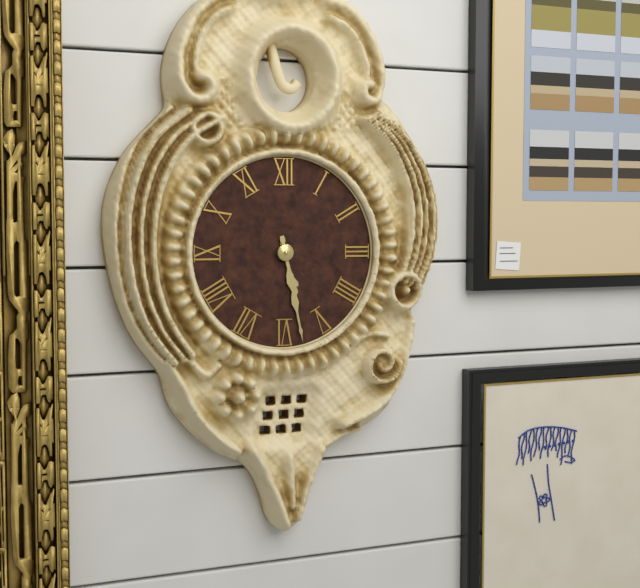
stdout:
h=5 m=28
